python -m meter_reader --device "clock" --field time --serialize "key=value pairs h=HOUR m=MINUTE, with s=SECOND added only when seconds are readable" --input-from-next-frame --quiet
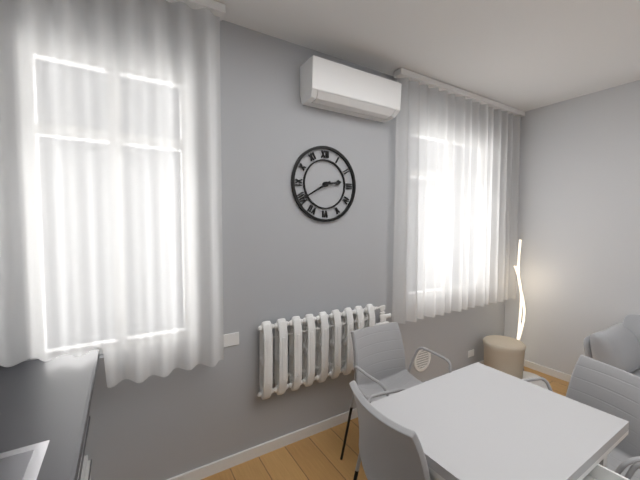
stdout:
h=2 m=40
